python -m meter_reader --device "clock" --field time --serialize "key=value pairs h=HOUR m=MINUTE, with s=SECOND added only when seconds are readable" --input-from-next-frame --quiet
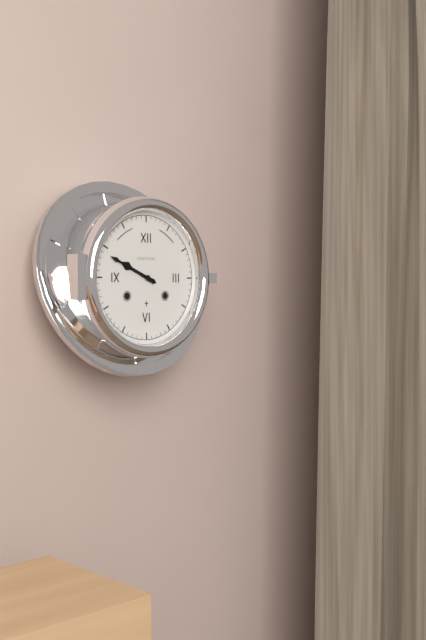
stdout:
h=9 m=49
